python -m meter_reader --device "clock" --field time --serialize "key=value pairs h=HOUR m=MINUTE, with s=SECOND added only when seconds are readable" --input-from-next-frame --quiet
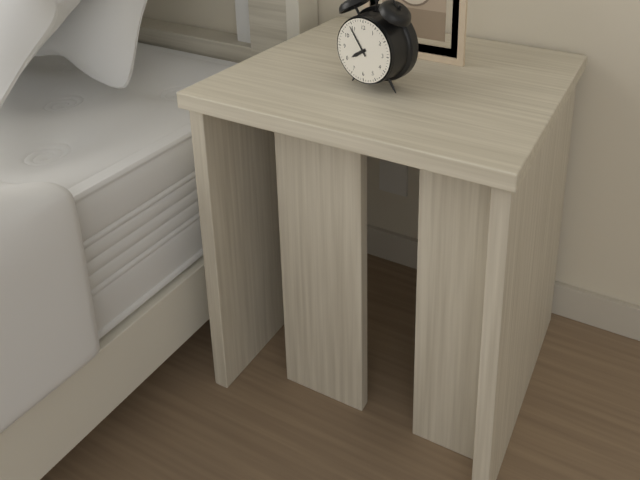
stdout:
h=7 m=54
